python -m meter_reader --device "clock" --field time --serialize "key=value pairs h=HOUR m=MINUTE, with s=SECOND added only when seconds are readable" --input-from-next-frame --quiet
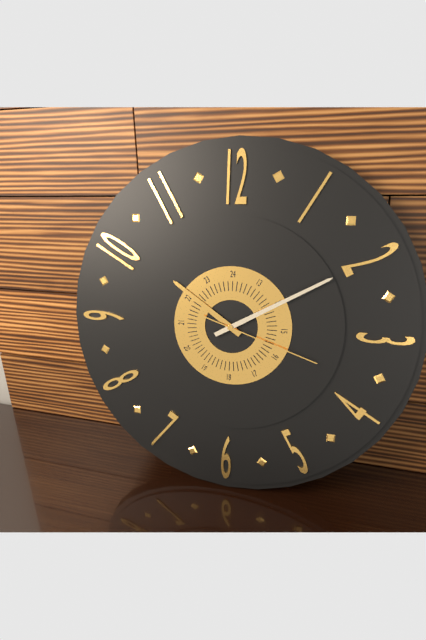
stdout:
h=10 m=10 s=18
